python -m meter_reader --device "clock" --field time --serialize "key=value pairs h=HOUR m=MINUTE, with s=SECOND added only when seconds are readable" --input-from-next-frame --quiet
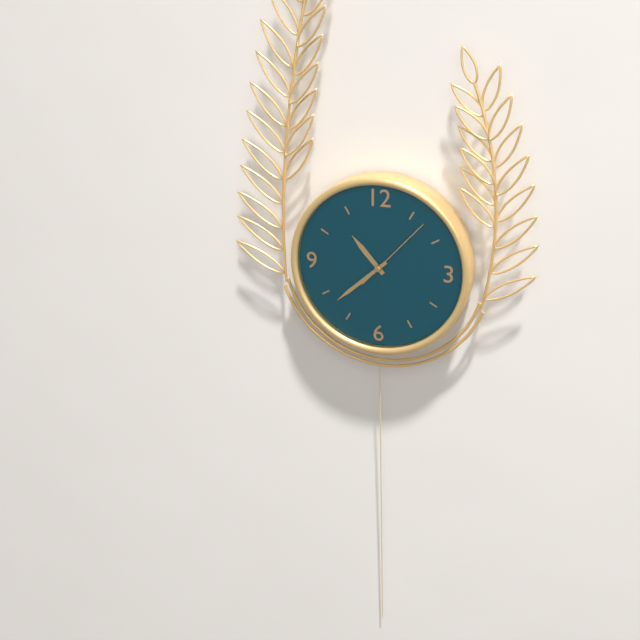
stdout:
h=10 m=38 s=7
